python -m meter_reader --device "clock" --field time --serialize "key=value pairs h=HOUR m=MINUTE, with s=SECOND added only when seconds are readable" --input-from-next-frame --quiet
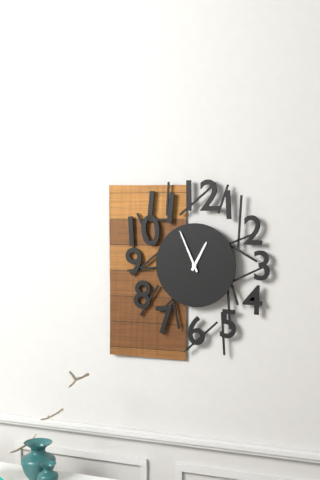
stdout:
h=12 m=56
